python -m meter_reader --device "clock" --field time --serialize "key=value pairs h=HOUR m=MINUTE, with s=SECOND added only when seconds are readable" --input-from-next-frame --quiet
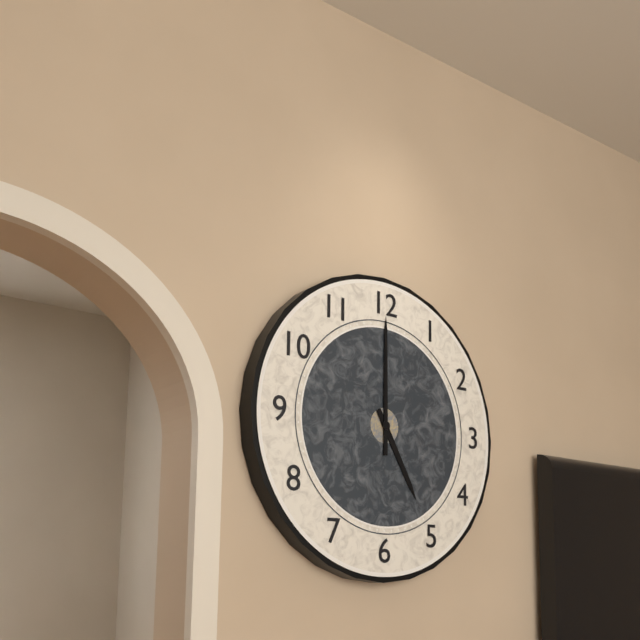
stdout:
h=5 m=0
